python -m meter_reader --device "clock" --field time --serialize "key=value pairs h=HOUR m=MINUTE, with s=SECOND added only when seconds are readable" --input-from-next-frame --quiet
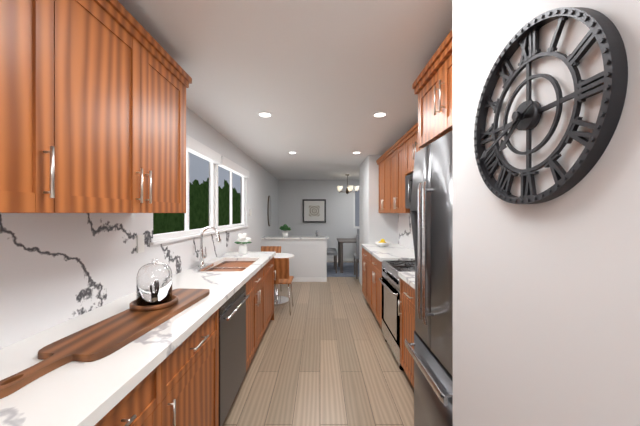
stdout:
h=7 m=41
